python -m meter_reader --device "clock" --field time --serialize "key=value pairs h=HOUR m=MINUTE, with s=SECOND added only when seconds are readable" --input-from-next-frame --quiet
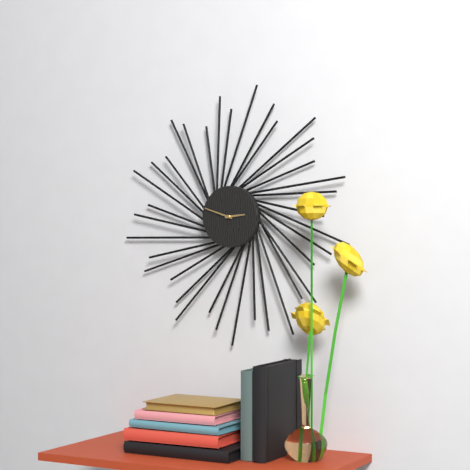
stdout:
h=2 m=48
